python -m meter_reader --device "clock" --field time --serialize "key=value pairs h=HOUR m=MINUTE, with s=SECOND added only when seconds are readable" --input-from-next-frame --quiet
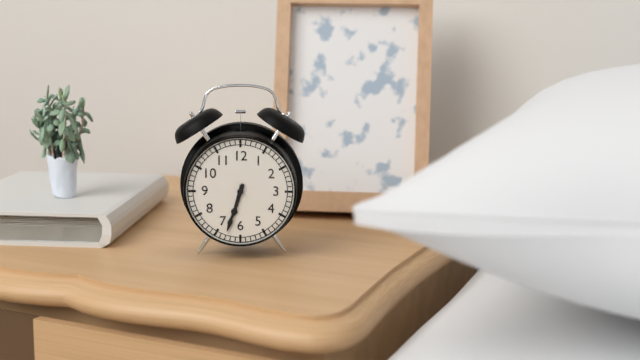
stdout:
h=6 m=33
